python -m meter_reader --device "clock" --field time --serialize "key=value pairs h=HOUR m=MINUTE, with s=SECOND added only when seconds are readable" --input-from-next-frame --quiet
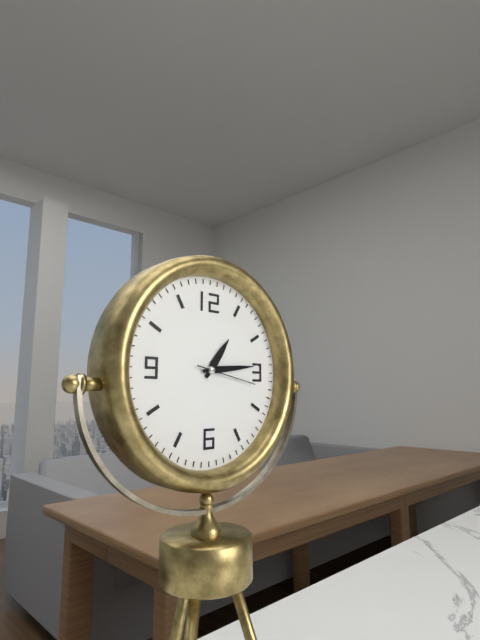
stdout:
h=1 m=14 s=17
